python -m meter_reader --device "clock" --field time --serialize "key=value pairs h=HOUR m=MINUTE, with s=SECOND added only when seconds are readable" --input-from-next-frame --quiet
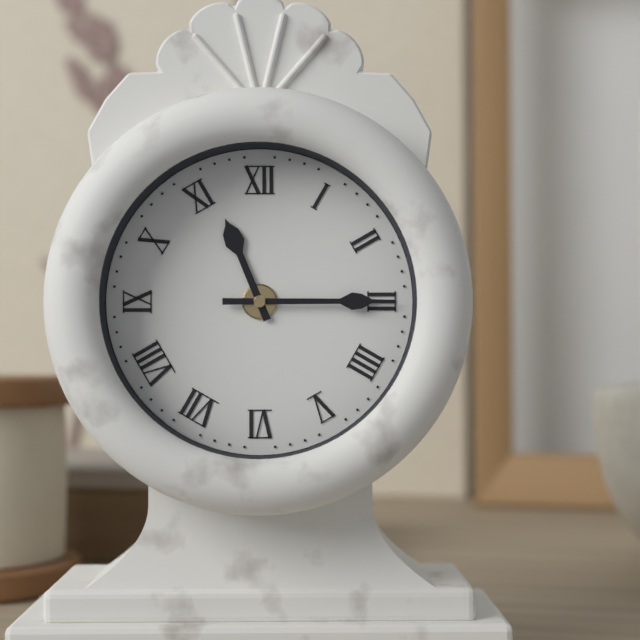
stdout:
h=11 m=15
